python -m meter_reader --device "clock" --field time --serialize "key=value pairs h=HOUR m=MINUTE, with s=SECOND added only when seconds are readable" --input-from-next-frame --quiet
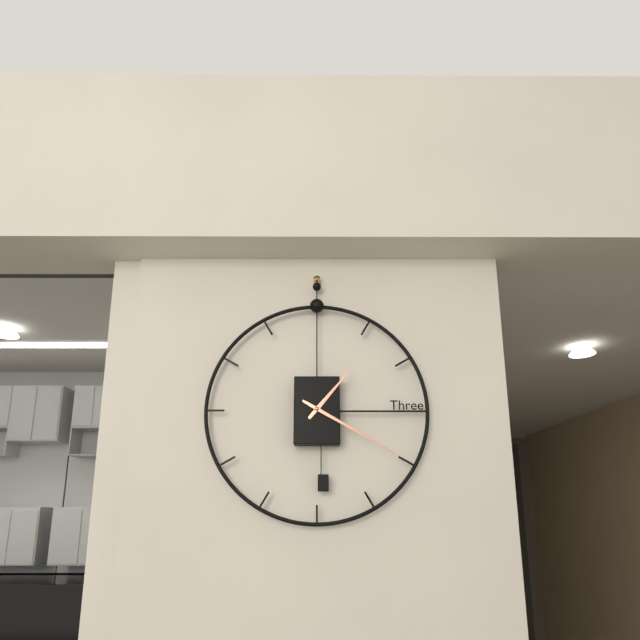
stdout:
h=1 m=20
